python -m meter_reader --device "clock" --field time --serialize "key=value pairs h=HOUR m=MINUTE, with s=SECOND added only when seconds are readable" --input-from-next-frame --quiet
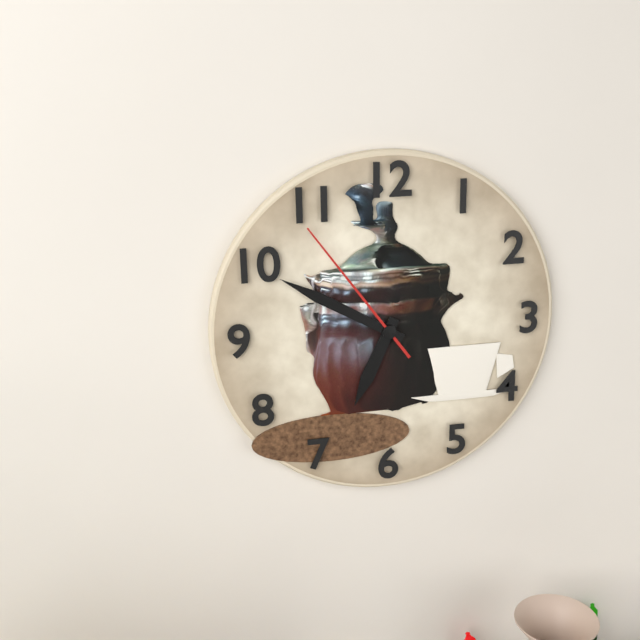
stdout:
h=6 m=50 s=54
